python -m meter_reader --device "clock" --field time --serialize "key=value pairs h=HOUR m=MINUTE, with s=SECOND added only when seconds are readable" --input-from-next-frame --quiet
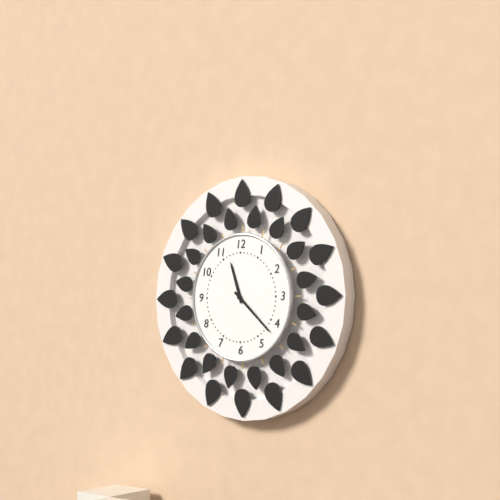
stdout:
h=11 m=22
